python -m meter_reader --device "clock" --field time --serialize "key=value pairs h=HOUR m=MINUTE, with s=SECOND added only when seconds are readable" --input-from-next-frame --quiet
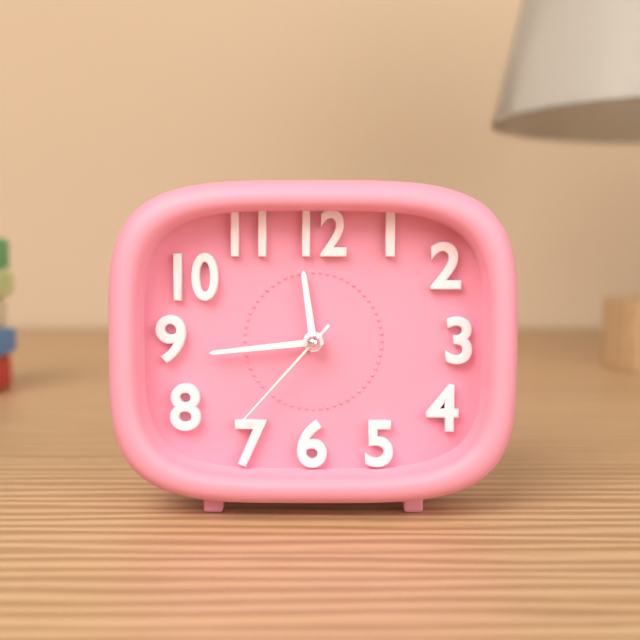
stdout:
h=11 m=44 s=37
